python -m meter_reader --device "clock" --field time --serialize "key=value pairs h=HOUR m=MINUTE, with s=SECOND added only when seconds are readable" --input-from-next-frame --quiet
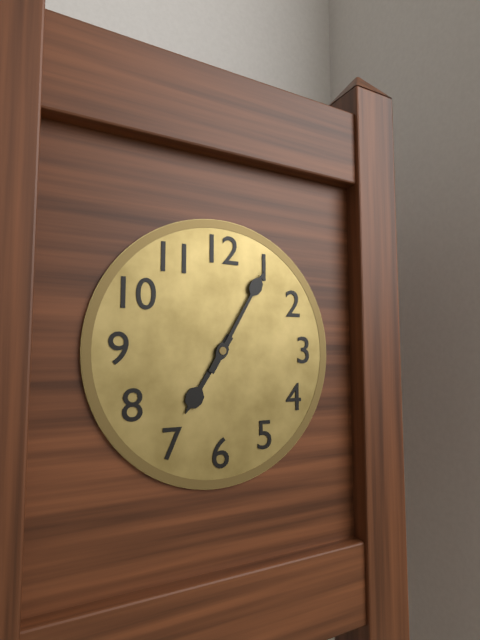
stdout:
h=7 m=5
